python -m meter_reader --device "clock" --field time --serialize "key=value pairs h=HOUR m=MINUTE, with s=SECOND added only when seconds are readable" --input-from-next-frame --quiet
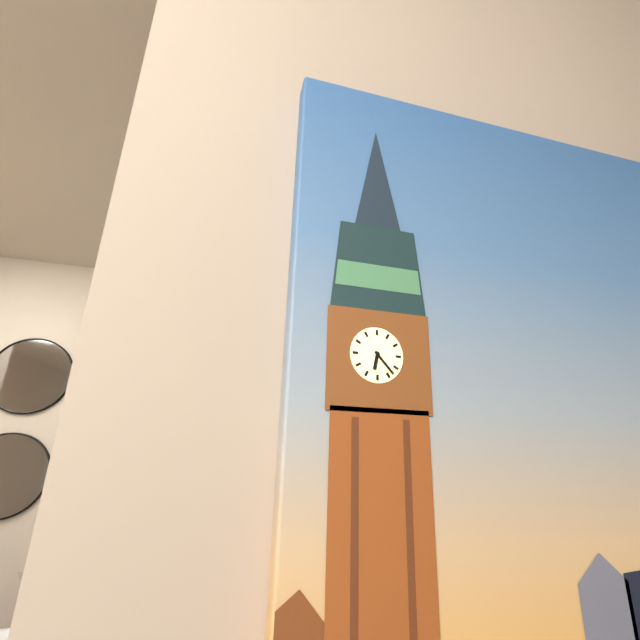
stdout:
h=6 m=23
